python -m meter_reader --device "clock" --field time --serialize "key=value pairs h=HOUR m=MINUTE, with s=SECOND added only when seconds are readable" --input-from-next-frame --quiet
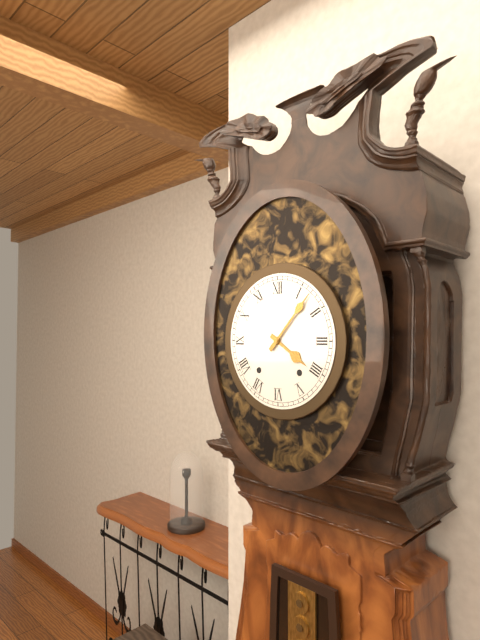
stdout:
h=4 m=7
